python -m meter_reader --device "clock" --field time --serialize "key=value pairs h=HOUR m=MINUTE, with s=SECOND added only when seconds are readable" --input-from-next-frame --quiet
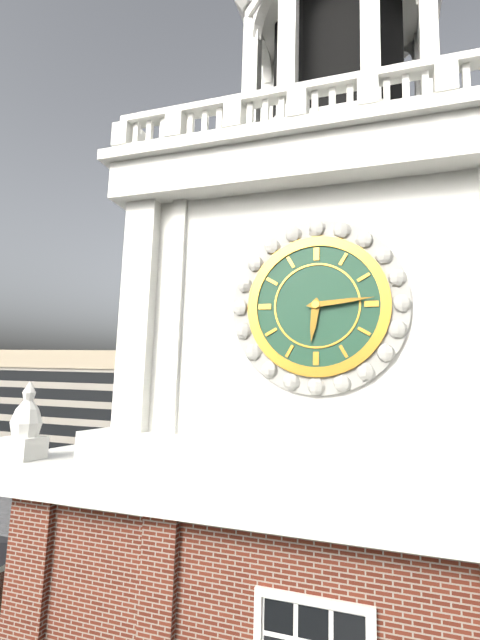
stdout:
h=6 m=14
